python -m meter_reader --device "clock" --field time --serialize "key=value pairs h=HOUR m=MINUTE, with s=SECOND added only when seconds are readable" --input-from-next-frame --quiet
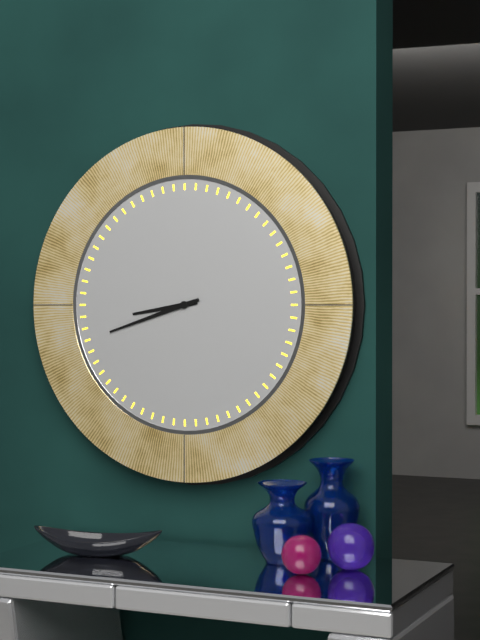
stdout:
h=8 m=42
